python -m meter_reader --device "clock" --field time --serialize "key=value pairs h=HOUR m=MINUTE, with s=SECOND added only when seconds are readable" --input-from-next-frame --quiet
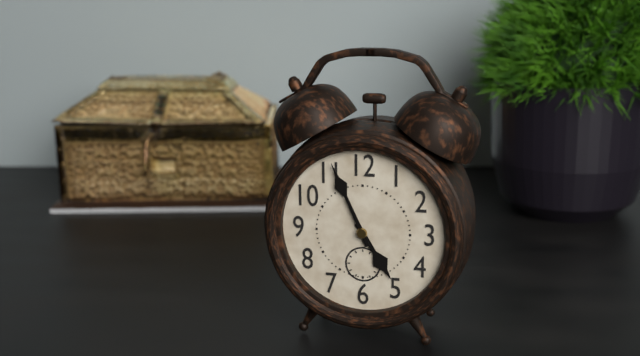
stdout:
h=4 m=56
